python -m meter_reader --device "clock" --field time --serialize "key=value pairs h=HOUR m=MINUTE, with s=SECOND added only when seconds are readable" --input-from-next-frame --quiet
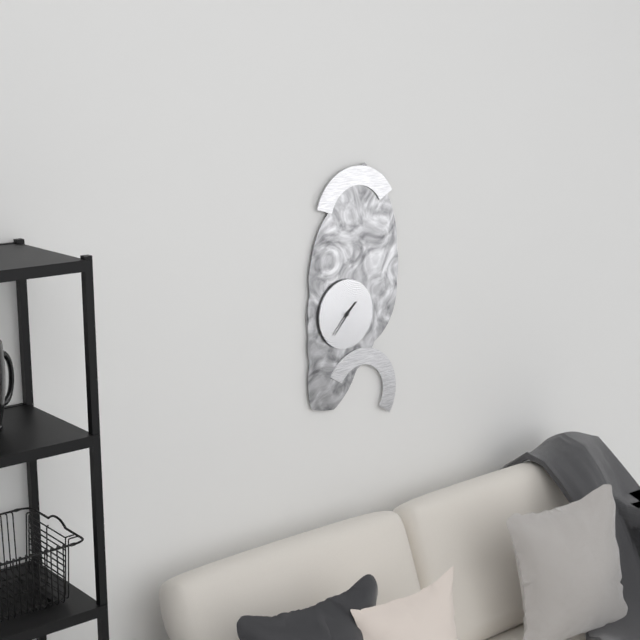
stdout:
h=1 m=37
